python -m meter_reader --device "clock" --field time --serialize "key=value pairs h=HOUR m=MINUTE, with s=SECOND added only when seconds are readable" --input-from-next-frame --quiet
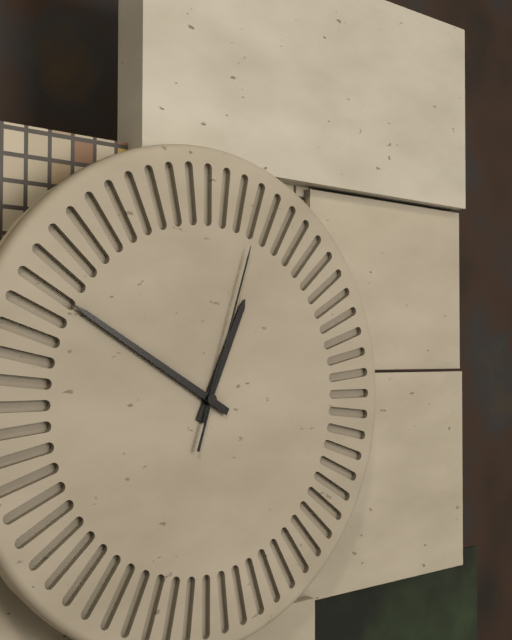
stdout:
h=12 m=50 s=3
